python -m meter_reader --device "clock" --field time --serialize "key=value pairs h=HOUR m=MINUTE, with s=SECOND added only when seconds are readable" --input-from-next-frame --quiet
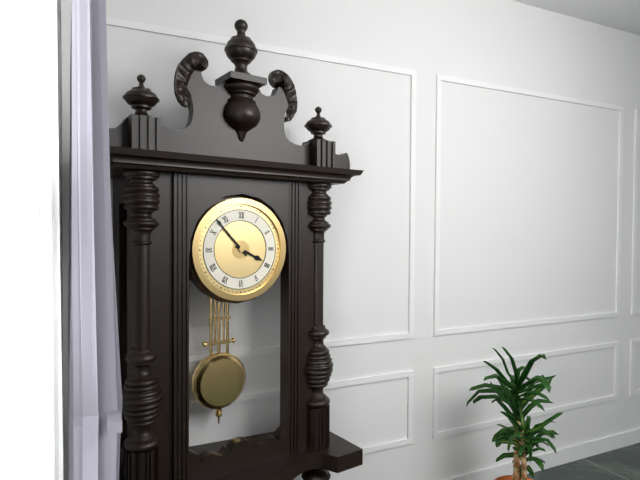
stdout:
h=3 m=53
